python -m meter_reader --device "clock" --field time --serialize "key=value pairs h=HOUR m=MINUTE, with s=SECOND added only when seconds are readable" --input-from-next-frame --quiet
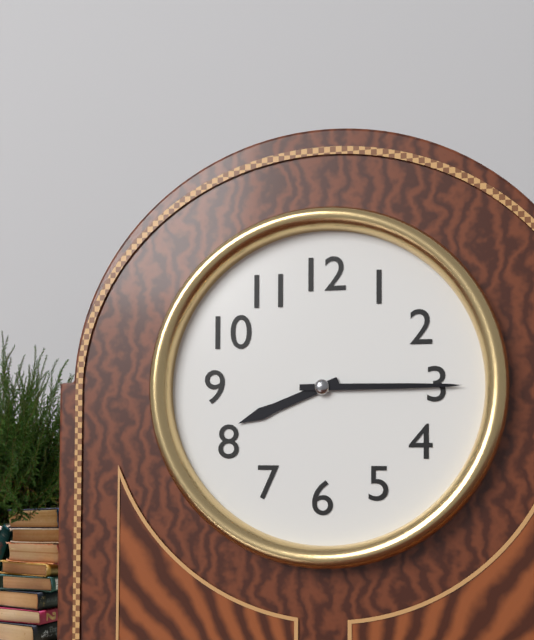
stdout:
h=8 m=15
